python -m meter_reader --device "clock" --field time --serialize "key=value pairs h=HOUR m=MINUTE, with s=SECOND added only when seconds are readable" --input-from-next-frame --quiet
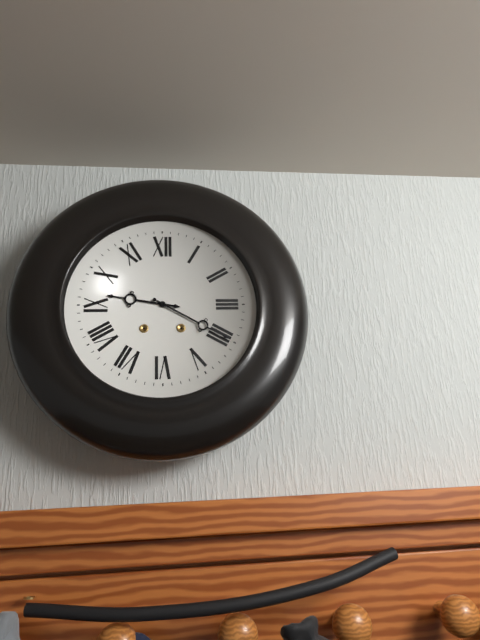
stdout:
h=9 m=20
